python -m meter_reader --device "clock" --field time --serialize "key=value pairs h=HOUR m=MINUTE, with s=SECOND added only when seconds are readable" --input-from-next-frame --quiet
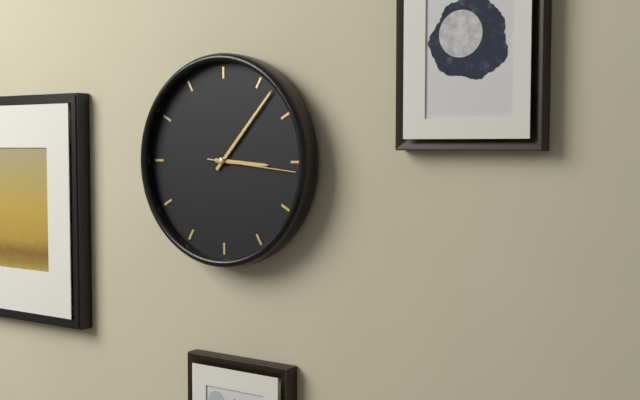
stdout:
h=3 m=7 s=16
